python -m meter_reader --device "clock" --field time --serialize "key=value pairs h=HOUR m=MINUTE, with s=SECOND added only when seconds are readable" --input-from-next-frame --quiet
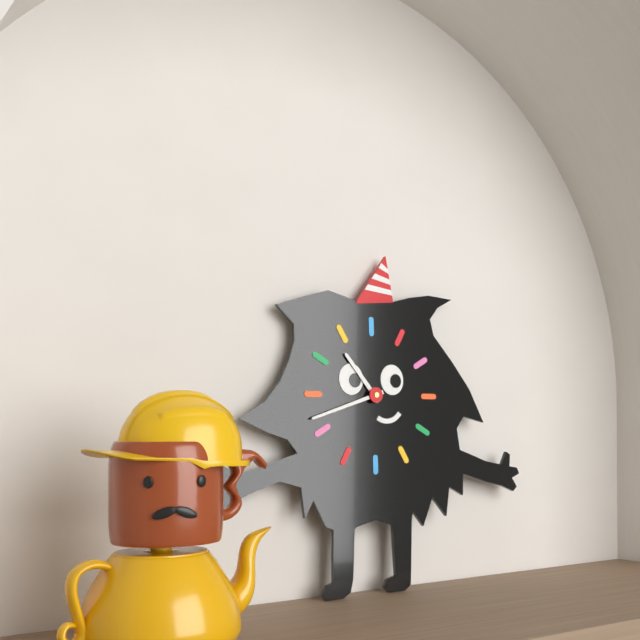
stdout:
h=10 m=42
